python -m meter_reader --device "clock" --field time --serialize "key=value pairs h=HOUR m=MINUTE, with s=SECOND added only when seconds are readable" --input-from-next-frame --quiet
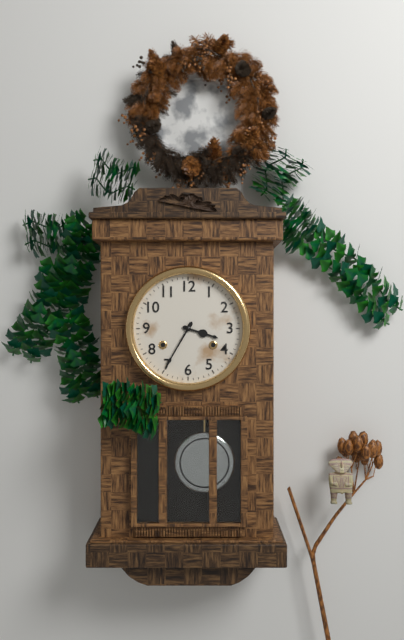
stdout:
h=3 m=35
